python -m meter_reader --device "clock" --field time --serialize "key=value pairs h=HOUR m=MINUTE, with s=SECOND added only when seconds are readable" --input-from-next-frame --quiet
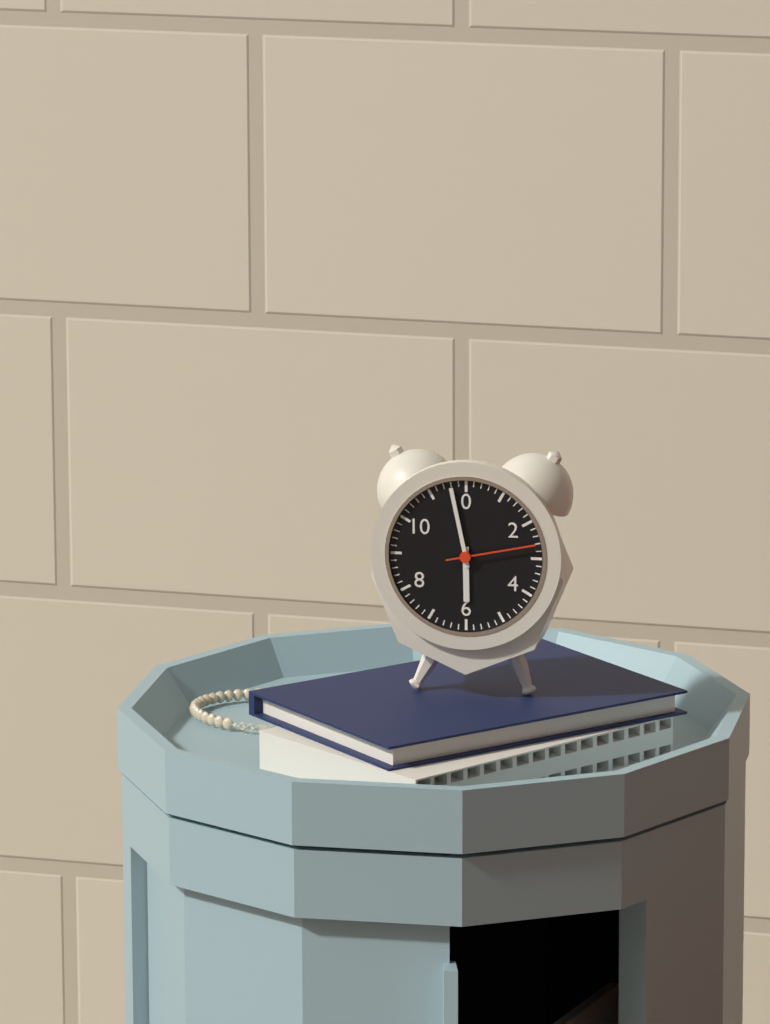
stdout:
h=5 m=58 s=13
